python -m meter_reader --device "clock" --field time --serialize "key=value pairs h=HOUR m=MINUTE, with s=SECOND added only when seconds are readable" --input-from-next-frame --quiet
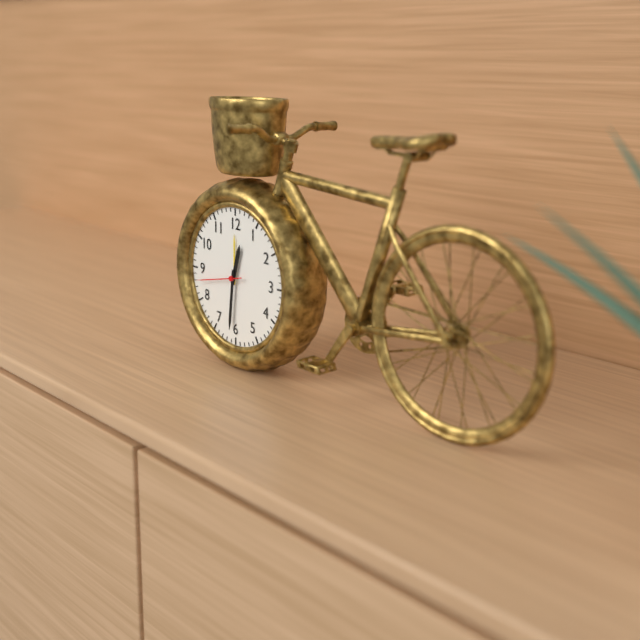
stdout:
h=12 m=31
